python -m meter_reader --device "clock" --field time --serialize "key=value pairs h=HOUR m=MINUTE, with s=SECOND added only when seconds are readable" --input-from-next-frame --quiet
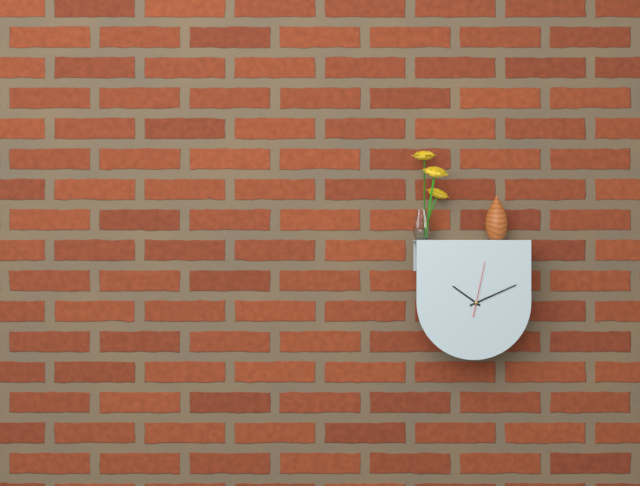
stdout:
h=10 m=11 s=2
